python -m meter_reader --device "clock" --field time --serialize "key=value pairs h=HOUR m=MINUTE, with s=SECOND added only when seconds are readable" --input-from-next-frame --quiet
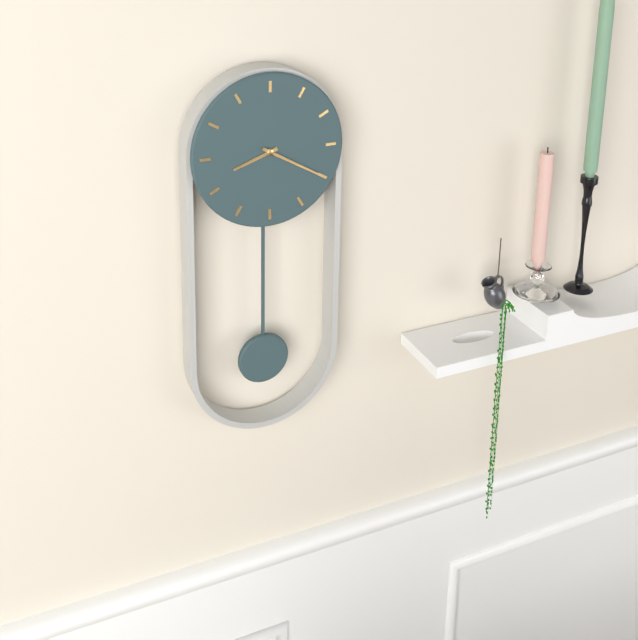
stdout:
h=8 m=20
